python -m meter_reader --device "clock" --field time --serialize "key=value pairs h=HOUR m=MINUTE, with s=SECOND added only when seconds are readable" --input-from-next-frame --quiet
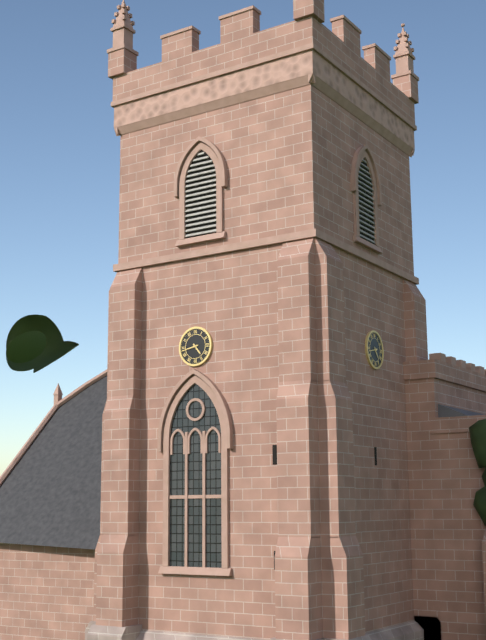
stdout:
h=4 m=43
